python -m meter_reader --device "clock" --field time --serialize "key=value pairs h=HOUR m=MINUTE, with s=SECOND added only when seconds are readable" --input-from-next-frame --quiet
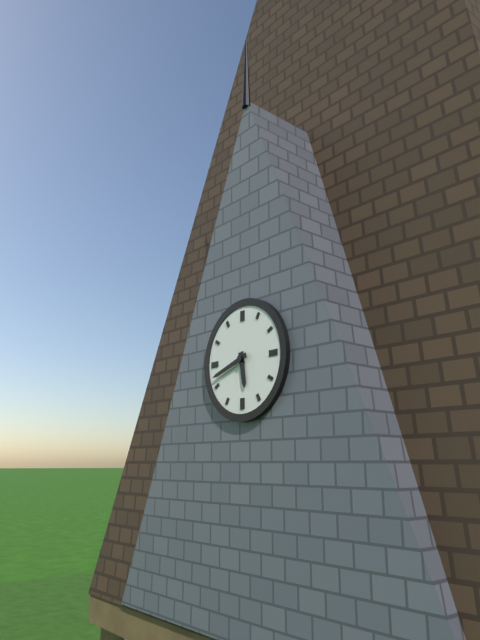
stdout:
h=5 m=42
